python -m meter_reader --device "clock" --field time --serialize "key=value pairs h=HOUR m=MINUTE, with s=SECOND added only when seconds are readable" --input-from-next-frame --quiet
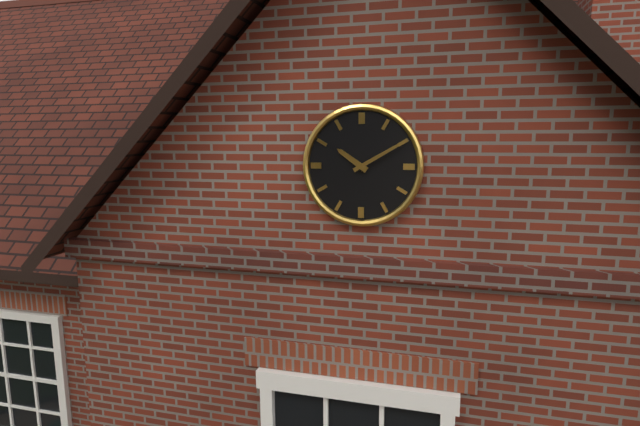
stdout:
h=10 m=10
